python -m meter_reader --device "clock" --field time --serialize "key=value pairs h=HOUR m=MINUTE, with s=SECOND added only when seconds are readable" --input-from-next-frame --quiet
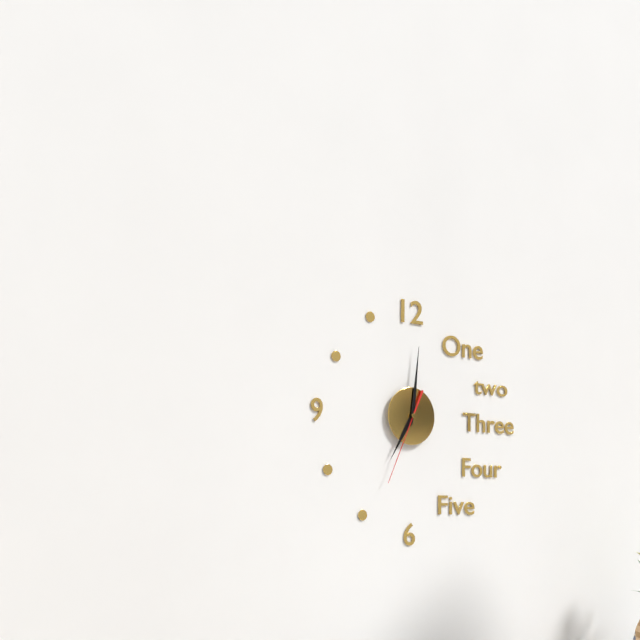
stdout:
h=7 m=1 s=34
